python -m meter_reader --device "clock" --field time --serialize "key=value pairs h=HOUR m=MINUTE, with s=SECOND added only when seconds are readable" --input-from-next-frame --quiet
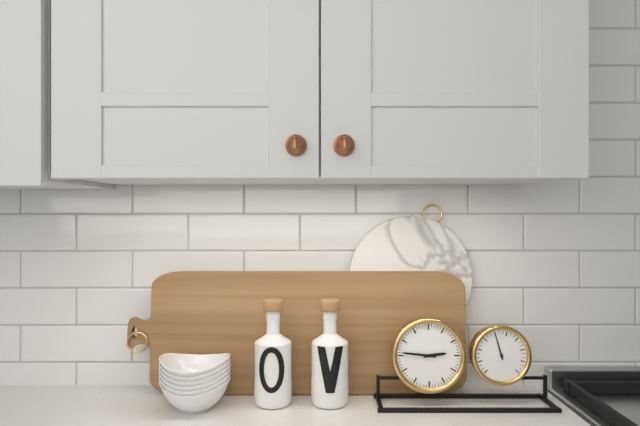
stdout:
h=2 m=46
